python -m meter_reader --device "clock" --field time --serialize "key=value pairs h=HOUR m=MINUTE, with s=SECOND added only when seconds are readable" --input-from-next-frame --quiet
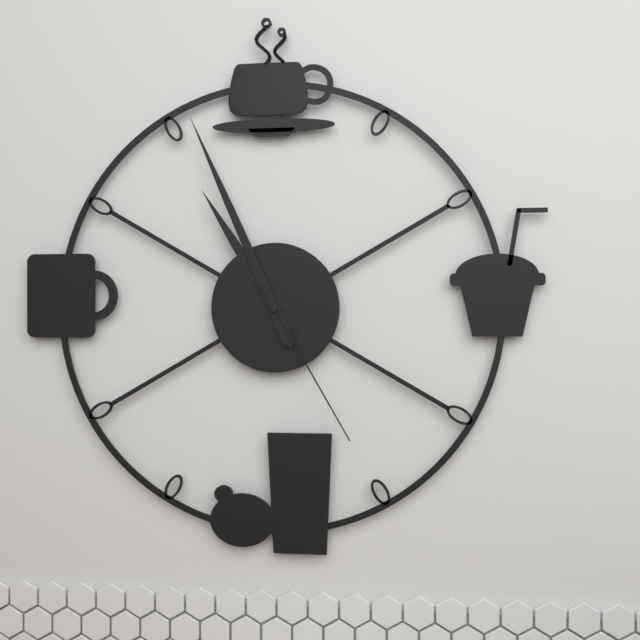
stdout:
h=10 m=56 s=25
